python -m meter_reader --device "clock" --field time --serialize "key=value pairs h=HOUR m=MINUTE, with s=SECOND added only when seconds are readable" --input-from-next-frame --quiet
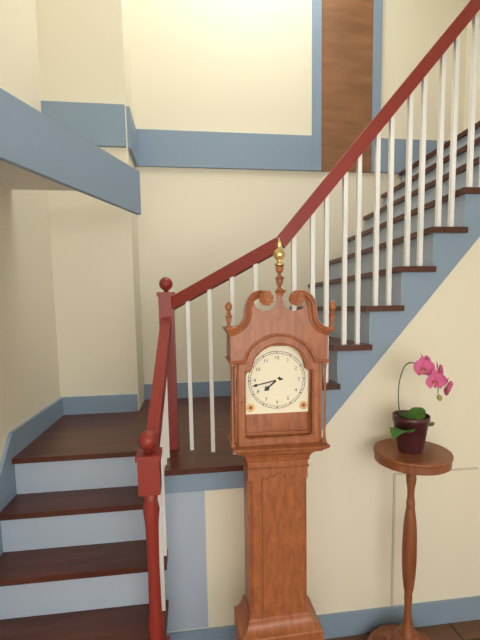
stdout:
h=7 m=43
